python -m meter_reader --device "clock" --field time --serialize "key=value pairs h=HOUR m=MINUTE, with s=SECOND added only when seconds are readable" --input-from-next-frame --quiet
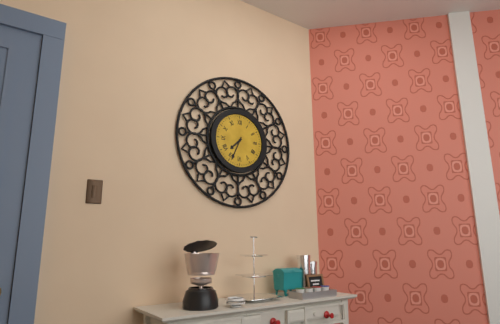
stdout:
h=7 m=34
